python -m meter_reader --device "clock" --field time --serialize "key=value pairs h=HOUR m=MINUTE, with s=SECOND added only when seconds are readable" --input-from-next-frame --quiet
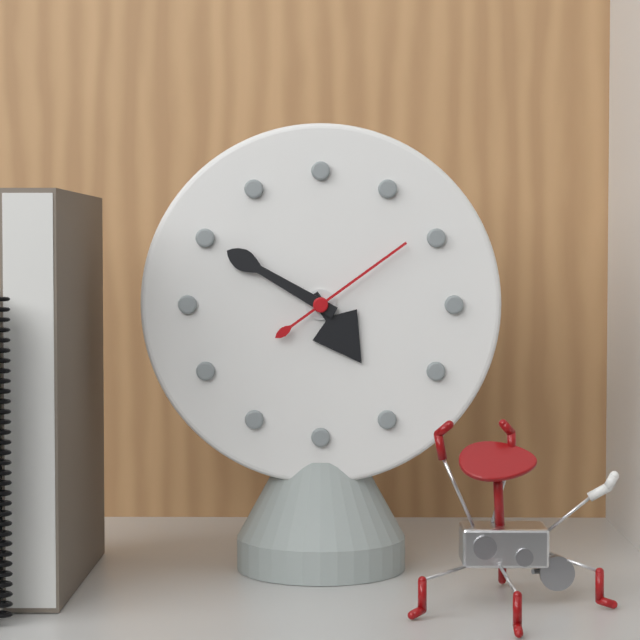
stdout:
h=4 m=50 s=9
